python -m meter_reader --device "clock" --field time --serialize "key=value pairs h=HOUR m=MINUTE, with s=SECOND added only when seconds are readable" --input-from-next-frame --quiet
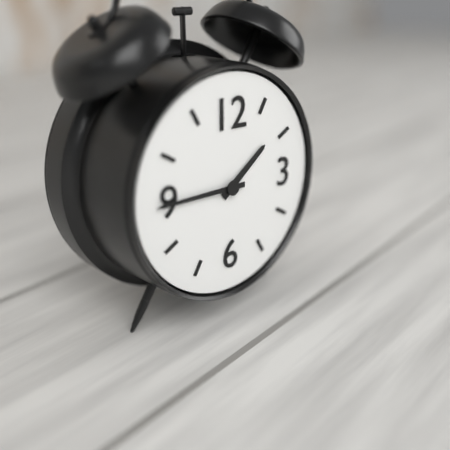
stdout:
h=1 m=45
